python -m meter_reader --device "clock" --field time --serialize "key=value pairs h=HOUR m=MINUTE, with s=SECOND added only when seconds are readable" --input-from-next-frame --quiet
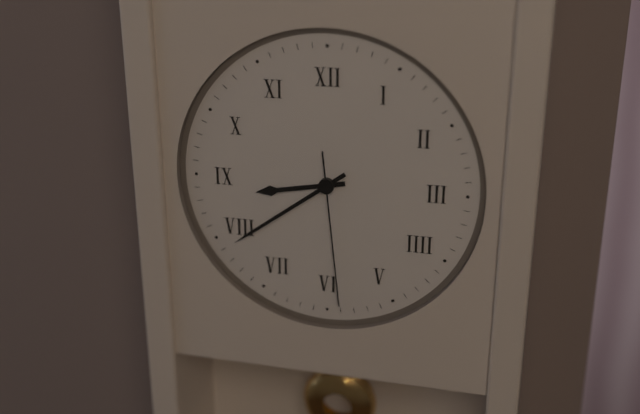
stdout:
h=8 m=39 s=29
